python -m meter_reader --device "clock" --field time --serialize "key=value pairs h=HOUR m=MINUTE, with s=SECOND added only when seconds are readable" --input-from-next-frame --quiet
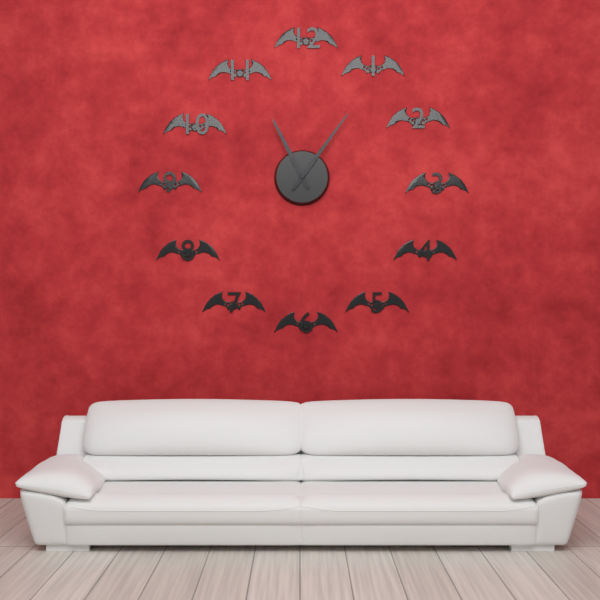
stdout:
h=11 m=6
